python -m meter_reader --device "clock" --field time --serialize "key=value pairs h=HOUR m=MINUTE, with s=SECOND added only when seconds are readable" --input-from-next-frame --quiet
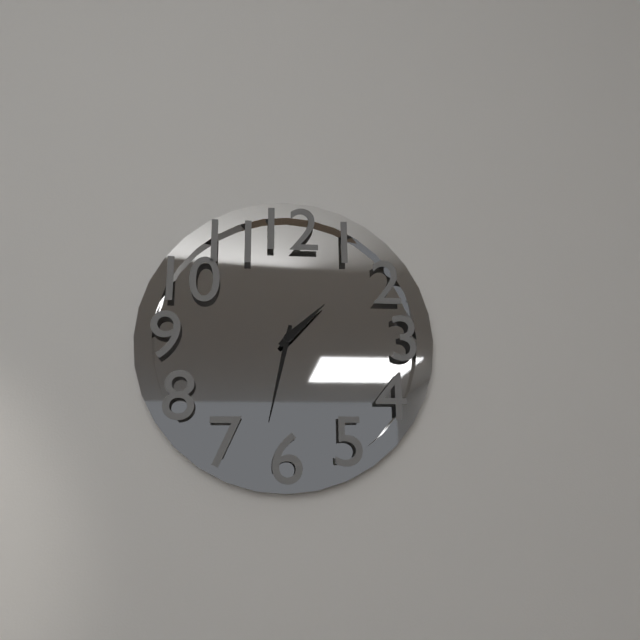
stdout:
h=1 m=32
